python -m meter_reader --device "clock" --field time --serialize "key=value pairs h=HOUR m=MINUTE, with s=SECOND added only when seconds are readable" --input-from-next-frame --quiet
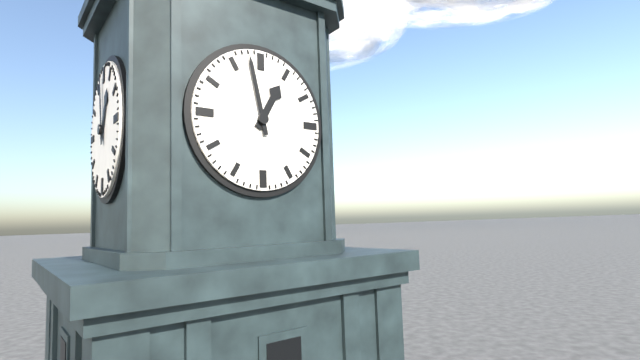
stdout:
h=12 m=58
